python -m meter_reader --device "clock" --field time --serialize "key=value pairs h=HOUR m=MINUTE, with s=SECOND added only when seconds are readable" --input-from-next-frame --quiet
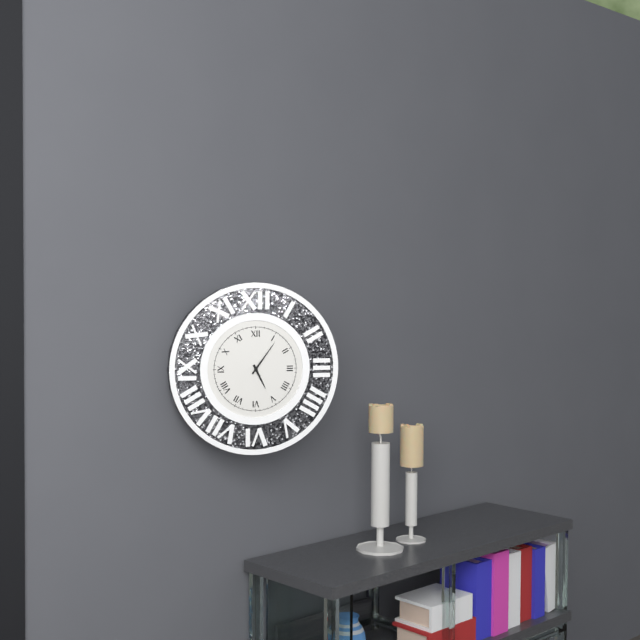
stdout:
h=5 m=6
